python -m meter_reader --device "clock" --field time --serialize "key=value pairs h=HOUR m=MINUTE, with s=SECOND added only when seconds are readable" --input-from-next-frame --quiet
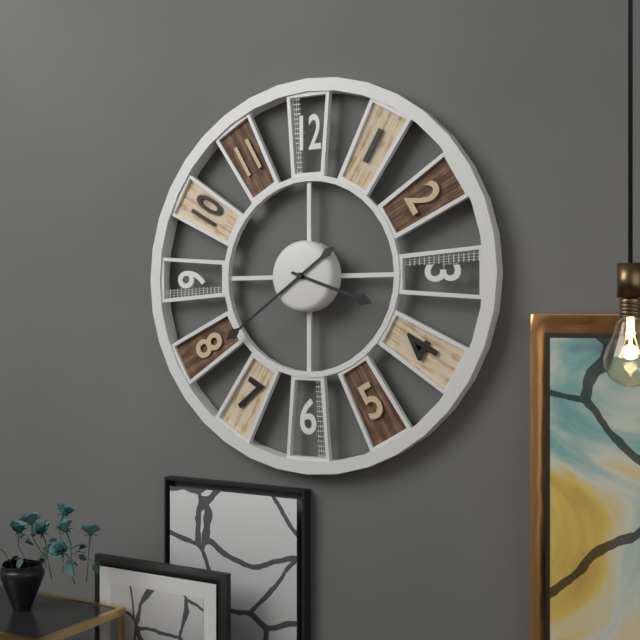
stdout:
h=3 m=39
